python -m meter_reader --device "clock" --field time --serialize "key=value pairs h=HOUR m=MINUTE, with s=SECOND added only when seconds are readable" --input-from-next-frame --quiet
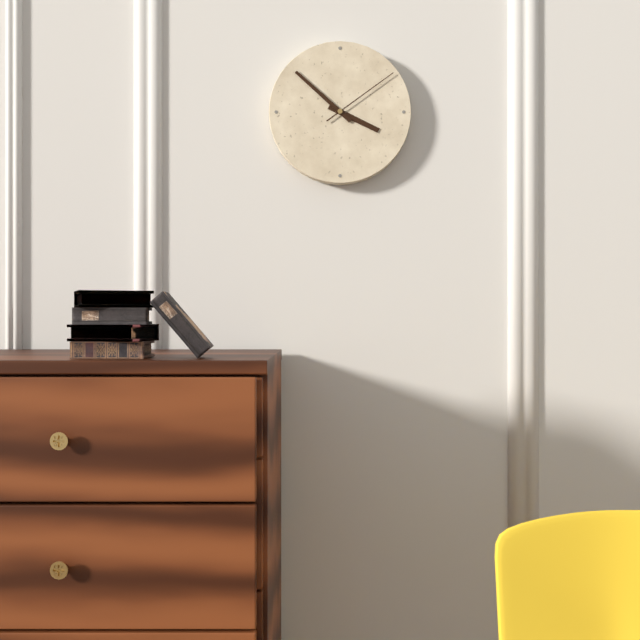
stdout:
h=3 m=52 s=9
